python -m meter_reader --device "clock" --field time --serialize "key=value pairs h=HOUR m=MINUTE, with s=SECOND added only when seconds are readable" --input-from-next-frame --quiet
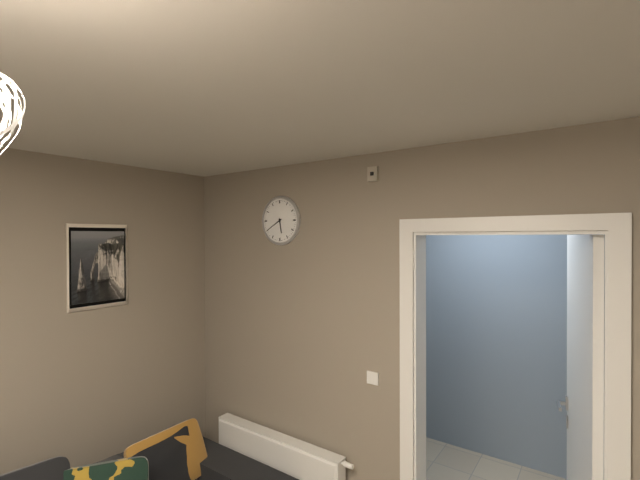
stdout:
h=5 m=40
